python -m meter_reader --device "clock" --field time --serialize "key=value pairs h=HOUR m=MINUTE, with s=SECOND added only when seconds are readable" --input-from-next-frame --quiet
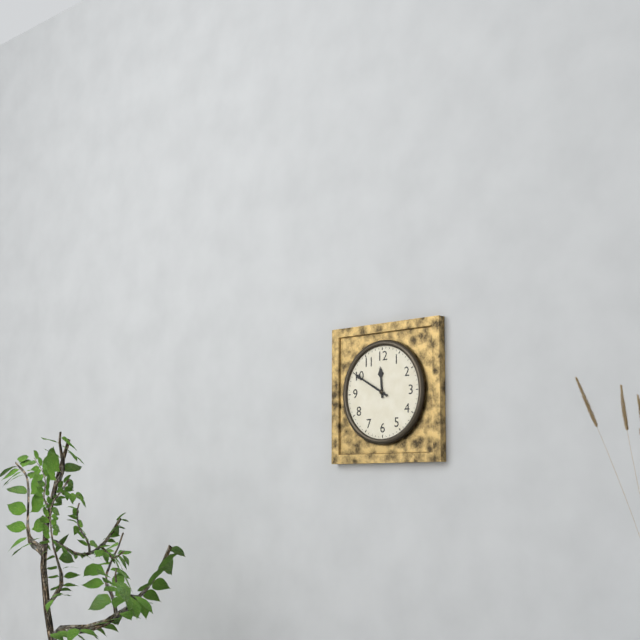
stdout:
h=11 m=50
